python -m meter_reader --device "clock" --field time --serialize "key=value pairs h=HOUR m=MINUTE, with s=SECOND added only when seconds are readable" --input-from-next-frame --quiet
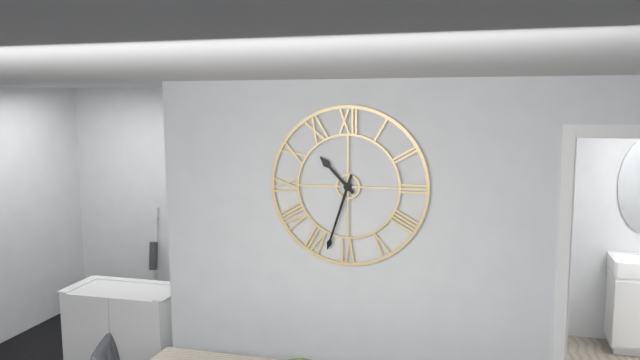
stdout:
h=10 m=33
